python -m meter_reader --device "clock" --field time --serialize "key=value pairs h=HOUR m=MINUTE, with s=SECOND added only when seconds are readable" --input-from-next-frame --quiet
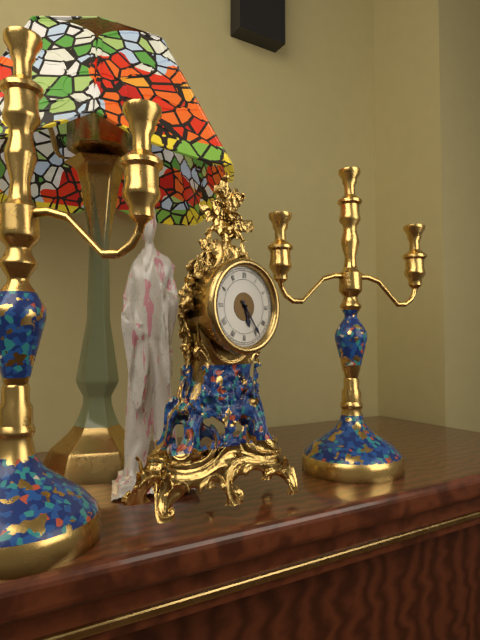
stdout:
h=5 m=24
